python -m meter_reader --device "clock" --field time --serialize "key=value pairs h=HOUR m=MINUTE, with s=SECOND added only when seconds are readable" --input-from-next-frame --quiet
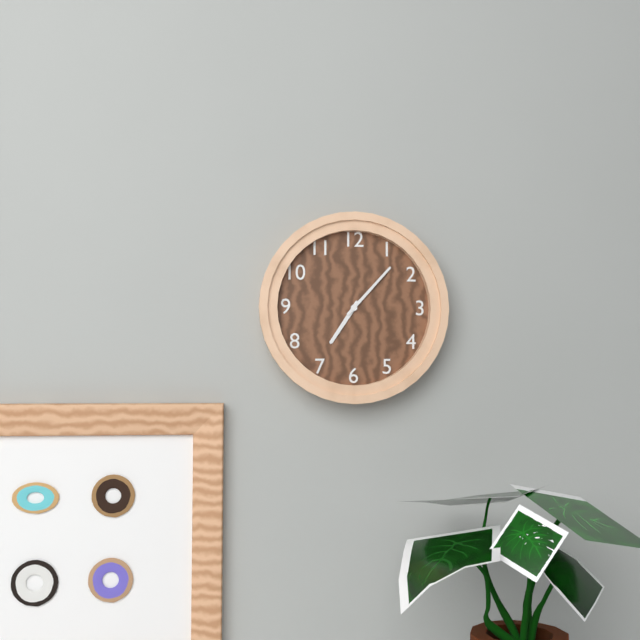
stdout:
h=7 m=7
